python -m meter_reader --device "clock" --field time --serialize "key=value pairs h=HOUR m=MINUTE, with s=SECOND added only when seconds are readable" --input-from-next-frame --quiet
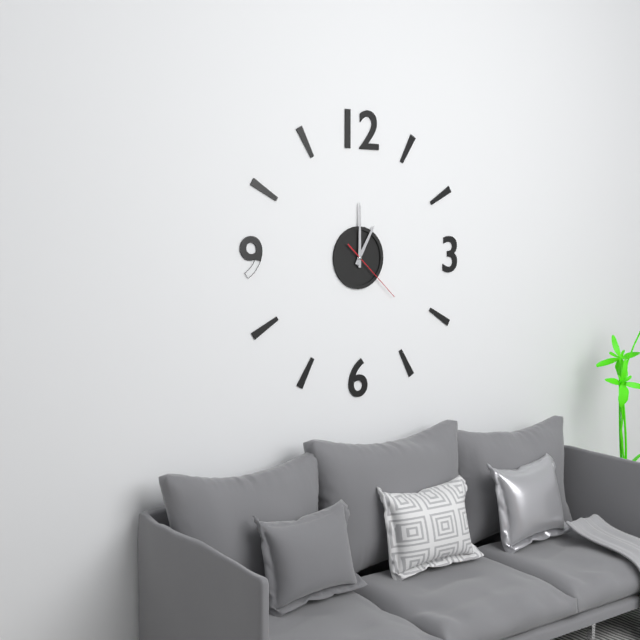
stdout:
h=1 m=0 s=22
